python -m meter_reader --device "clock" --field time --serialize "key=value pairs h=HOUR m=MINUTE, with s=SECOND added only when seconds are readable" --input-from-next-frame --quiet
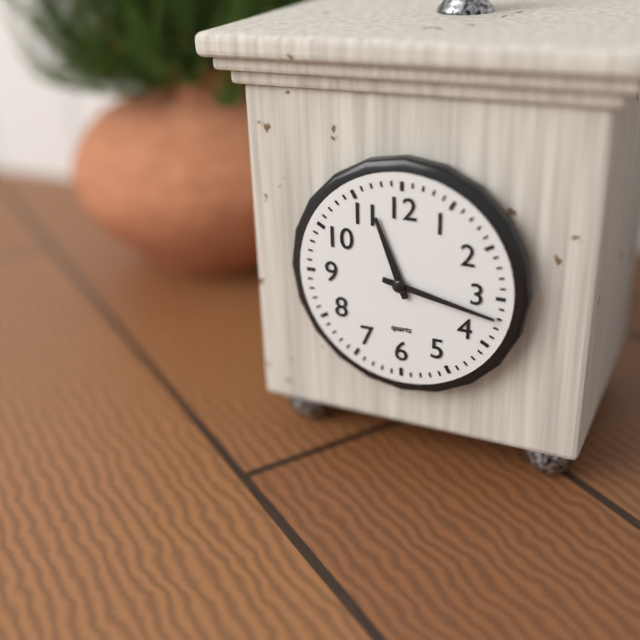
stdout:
h=11 m=17
